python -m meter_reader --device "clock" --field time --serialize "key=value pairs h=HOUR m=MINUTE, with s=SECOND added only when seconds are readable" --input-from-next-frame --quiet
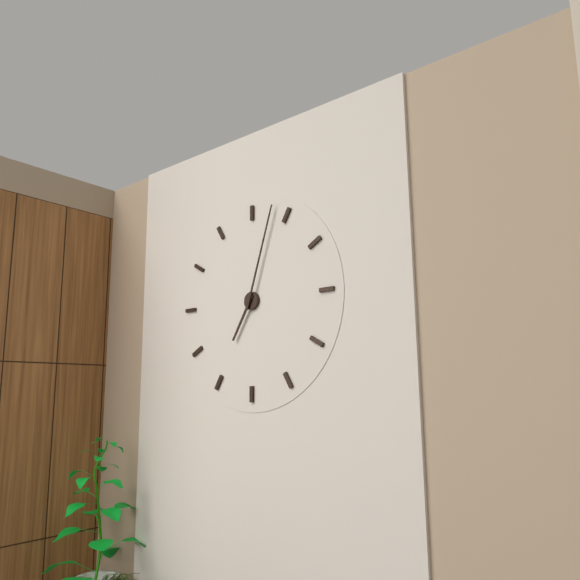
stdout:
h=7 m=3
